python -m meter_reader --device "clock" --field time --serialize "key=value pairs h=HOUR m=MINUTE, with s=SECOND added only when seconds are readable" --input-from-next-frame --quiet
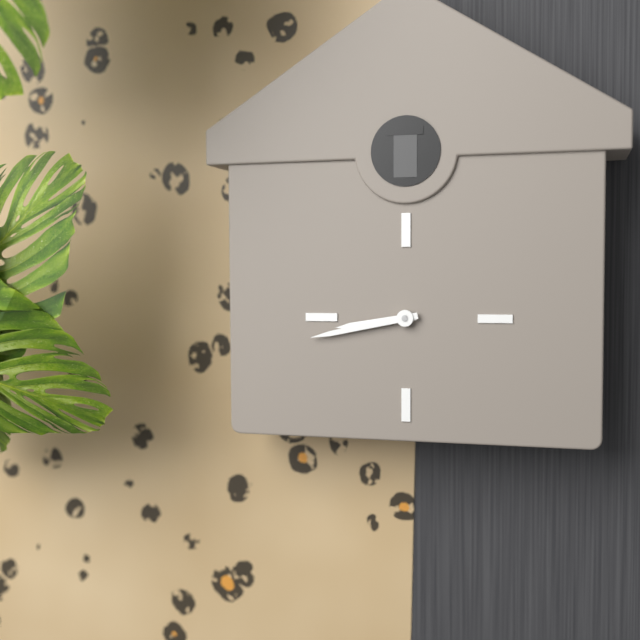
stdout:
h=8 m=43
